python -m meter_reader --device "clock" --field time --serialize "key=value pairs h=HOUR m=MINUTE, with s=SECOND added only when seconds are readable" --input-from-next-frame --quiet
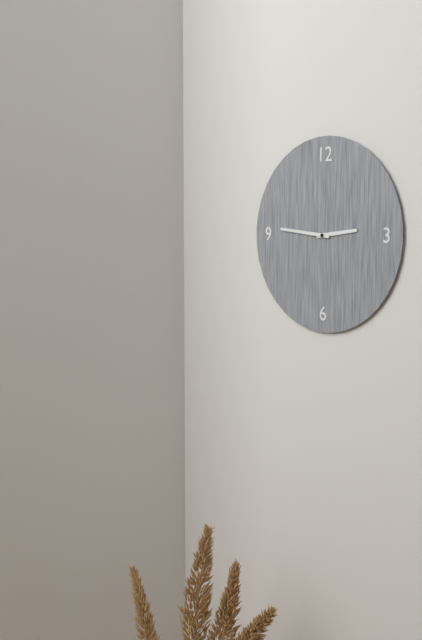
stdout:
h=2 m=46
